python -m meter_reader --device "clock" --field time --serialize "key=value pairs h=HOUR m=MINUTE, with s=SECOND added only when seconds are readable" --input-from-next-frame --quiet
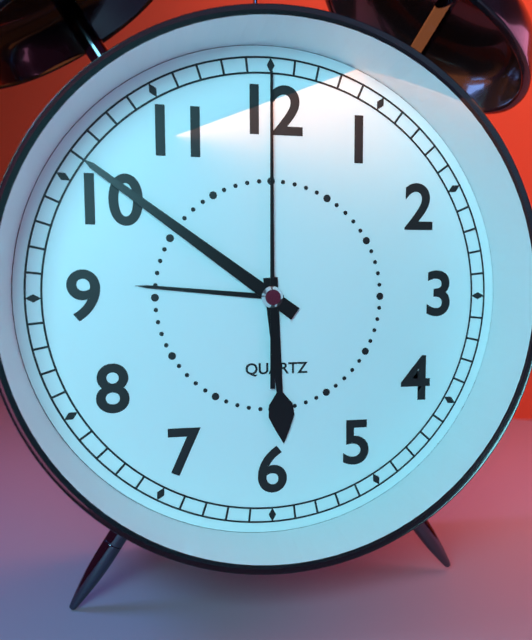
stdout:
h=5 m=51 s=0
